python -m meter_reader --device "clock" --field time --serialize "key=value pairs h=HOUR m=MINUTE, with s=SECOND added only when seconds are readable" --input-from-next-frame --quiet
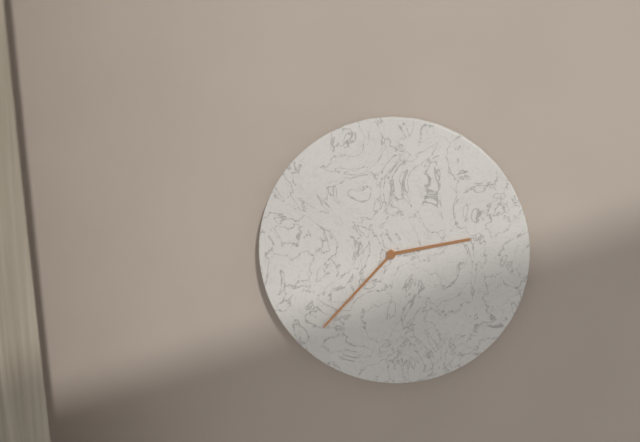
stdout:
h=2 m=37
